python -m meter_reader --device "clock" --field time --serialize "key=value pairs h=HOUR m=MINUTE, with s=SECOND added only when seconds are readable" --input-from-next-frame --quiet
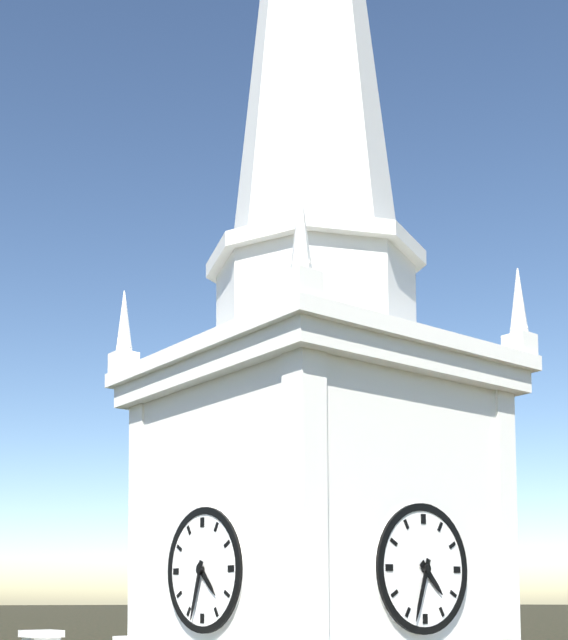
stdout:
h=4 m=33
